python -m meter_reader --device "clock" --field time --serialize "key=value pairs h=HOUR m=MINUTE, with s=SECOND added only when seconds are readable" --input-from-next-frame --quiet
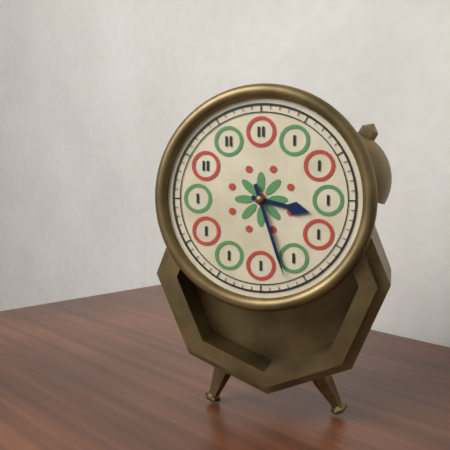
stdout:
h=3 m=27
